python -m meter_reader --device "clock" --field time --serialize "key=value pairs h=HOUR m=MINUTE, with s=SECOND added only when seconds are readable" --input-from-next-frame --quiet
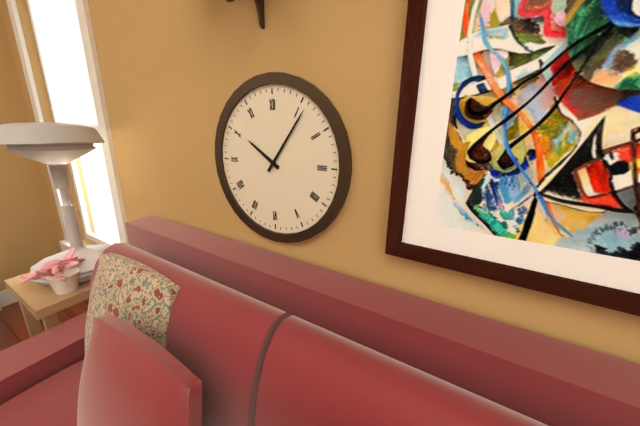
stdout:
h=10 m=6
